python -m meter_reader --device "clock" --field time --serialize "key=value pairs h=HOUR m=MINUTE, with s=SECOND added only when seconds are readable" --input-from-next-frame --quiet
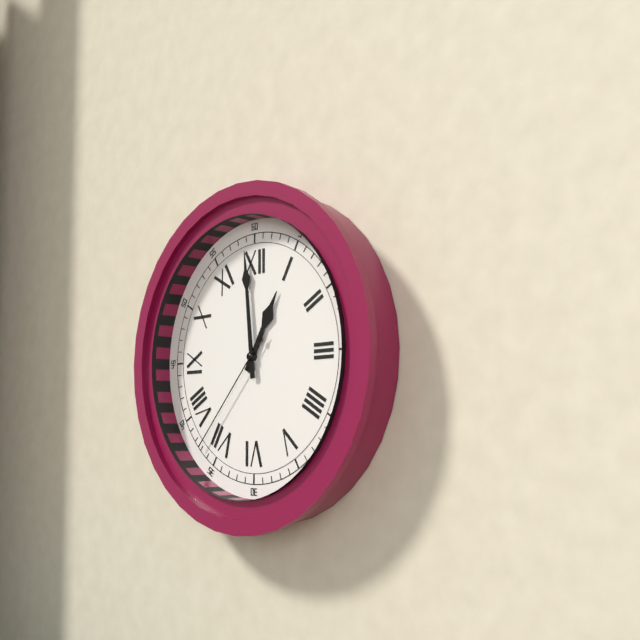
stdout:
h=12 m=59 s=37
